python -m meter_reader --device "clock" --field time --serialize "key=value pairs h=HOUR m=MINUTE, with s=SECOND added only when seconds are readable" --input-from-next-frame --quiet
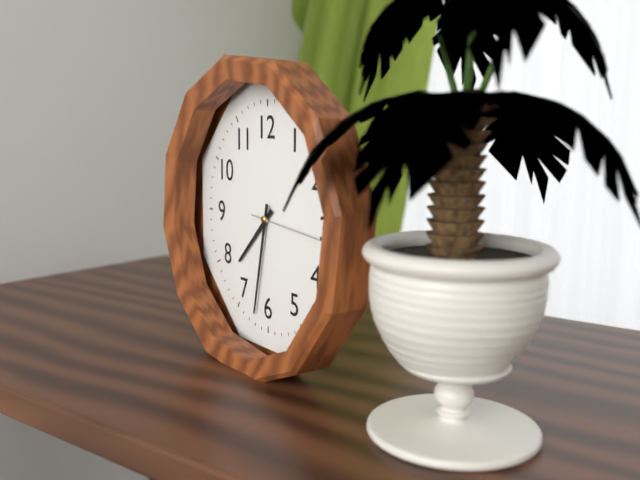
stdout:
h=7 m=32 s=16
